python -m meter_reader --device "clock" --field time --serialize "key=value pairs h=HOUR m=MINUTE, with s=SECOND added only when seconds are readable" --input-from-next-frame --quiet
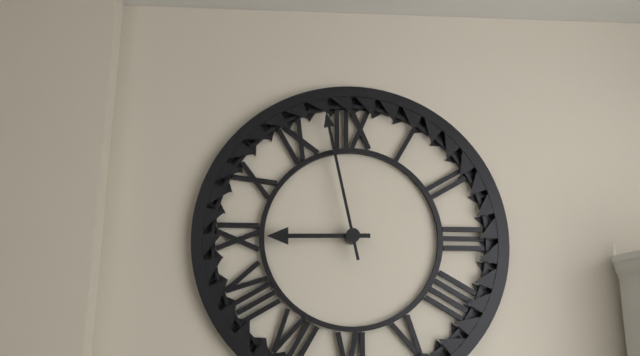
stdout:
h=8 m=58
